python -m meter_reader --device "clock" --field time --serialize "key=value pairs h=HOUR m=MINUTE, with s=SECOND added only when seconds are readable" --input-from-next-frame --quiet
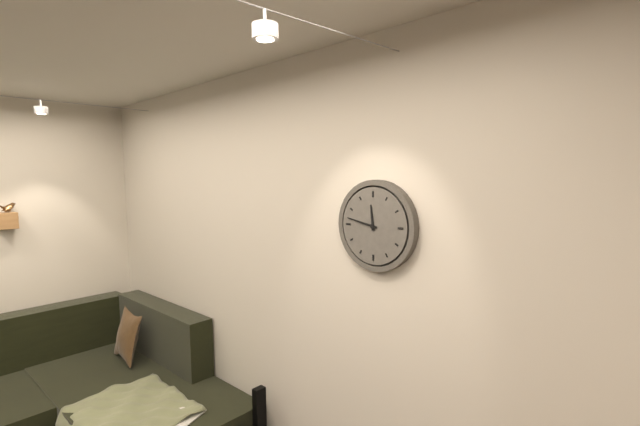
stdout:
h=11 m=47
